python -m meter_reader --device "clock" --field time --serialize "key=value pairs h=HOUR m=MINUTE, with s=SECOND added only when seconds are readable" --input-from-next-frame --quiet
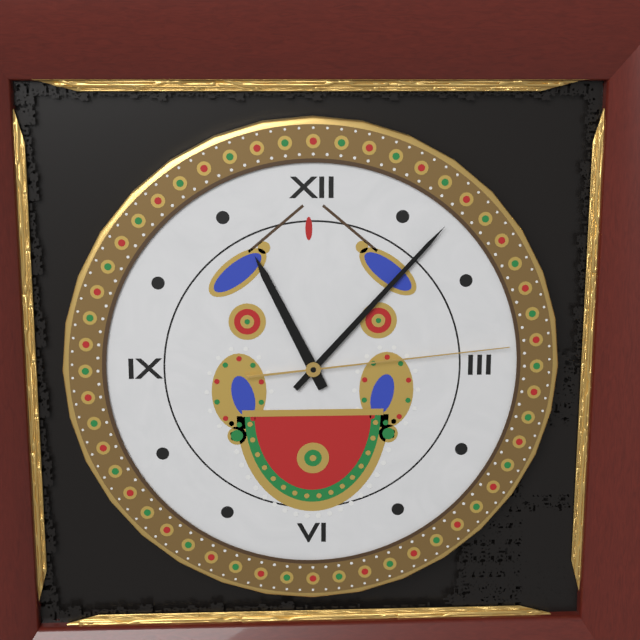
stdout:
h=11 m=7 s=14
